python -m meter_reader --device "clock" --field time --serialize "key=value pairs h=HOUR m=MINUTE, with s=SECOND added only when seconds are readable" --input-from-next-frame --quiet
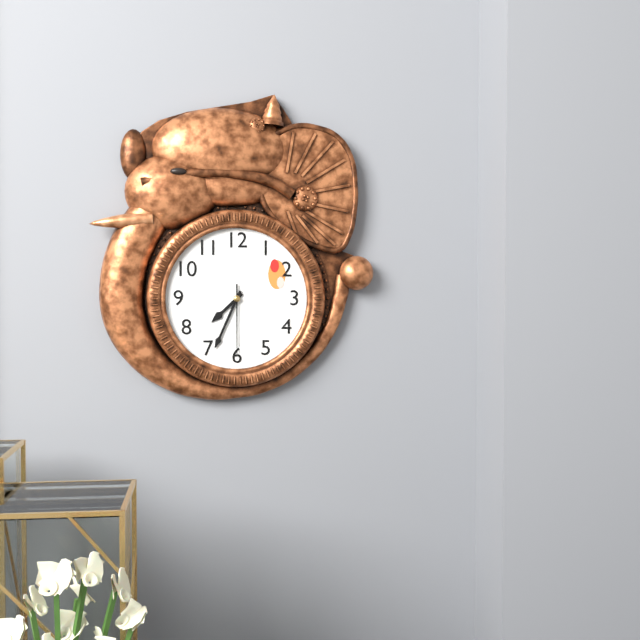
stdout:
h=7 m=34 s=30
